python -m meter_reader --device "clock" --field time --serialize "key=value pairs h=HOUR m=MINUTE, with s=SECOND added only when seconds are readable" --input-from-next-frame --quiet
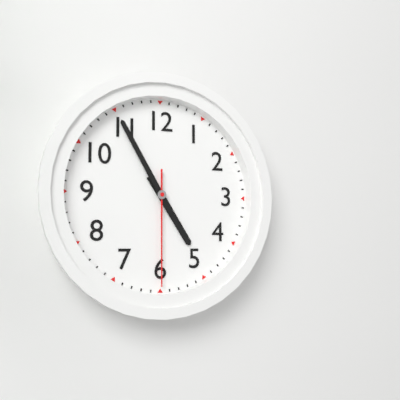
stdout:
h=4 m=55 s=30
